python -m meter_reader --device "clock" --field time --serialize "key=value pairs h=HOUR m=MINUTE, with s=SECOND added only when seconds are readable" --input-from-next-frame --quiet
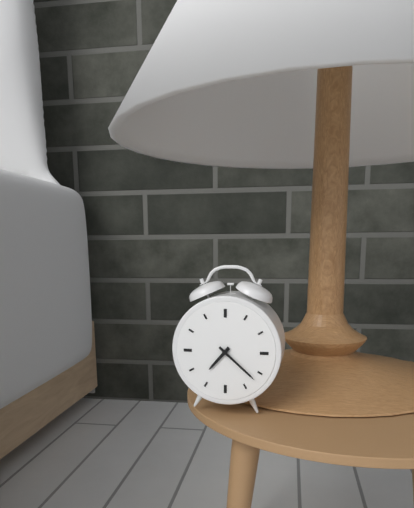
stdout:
h=7 m=22
